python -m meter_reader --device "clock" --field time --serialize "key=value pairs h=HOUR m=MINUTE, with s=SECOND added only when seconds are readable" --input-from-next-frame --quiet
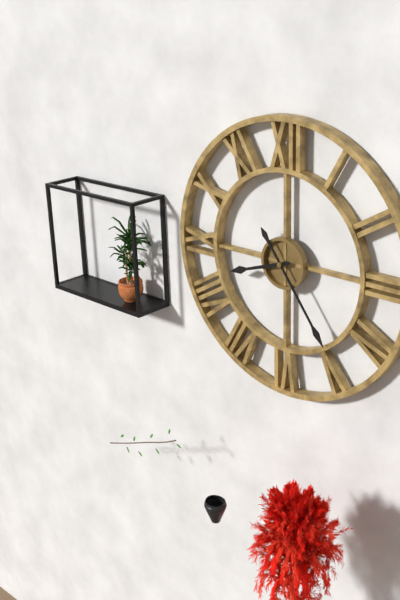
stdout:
h=8 m=24
